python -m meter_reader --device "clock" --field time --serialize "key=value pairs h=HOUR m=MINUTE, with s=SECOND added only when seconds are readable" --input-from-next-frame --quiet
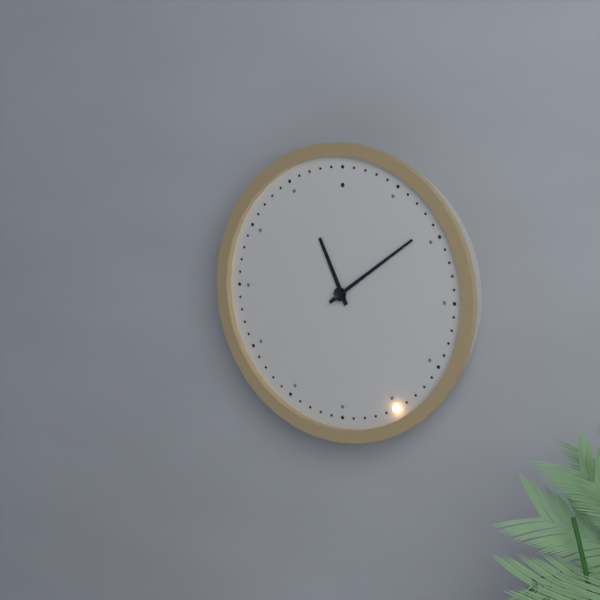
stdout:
h=11 m=9
